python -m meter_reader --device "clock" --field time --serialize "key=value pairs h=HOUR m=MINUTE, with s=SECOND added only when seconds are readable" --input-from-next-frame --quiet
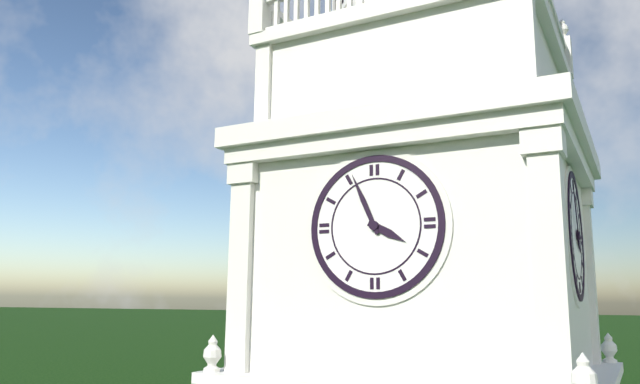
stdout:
h=3 m=56
